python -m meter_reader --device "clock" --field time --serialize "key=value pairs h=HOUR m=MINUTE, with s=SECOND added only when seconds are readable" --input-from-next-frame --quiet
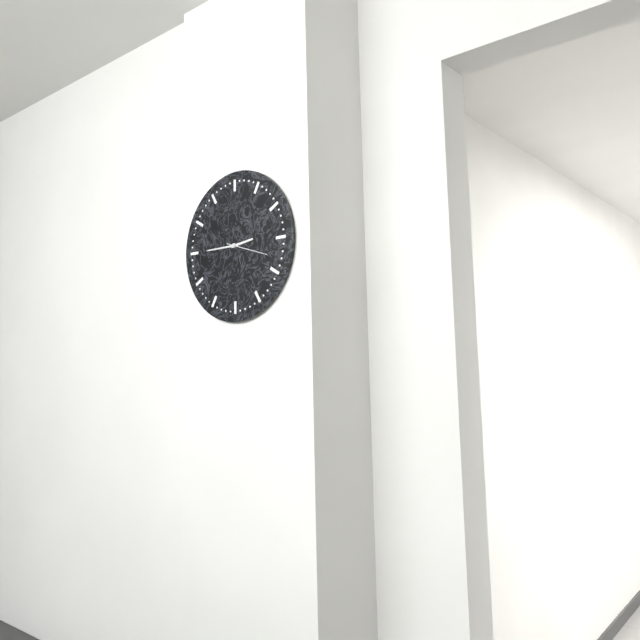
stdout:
h=2 m=45
